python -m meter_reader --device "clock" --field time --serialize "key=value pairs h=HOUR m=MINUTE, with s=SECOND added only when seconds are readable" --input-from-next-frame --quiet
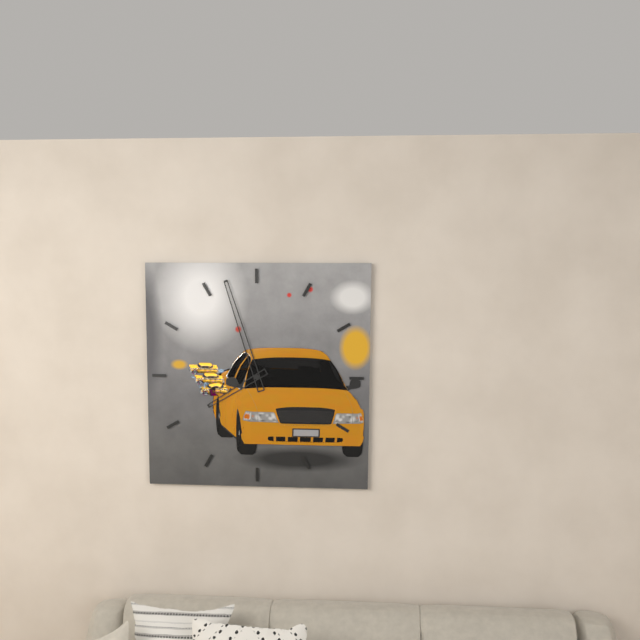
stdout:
h=7 m=57
